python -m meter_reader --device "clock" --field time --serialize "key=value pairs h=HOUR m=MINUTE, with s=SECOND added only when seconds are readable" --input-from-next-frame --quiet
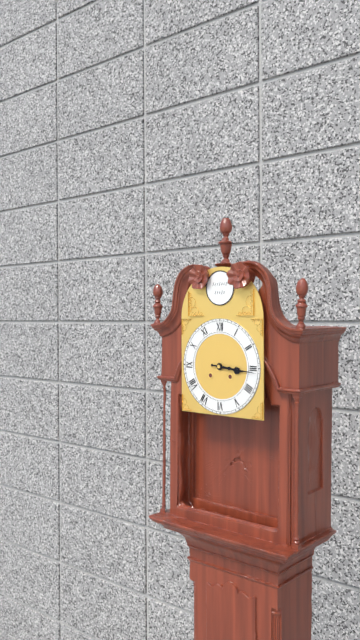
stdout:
h=3 m=16
